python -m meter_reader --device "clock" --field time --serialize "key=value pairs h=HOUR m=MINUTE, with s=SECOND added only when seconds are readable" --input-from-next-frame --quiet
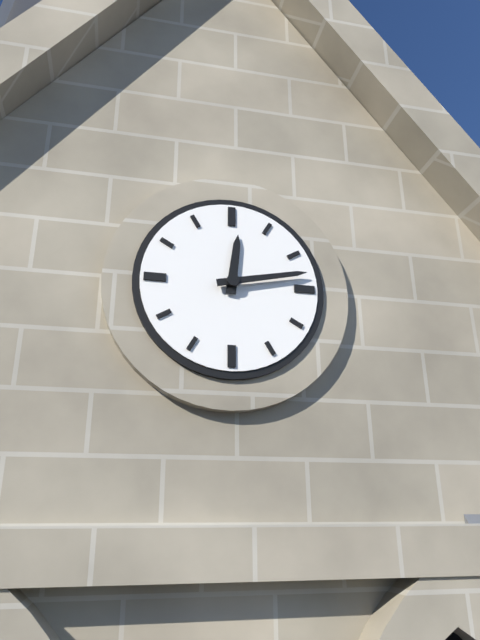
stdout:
h=12 m=13
